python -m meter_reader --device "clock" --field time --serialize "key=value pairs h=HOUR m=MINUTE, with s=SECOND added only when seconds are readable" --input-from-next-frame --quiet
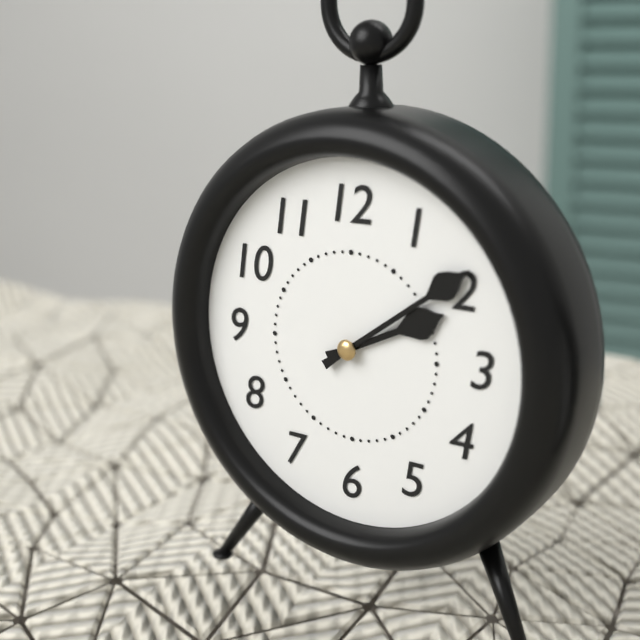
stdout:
h=2 m=9
